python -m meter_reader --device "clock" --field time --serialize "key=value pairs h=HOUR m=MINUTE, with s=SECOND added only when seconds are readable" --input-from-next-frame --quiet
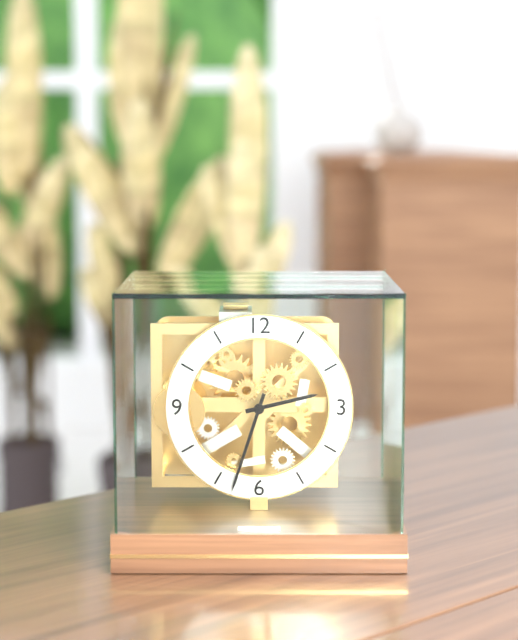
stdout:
h=2 m=33
